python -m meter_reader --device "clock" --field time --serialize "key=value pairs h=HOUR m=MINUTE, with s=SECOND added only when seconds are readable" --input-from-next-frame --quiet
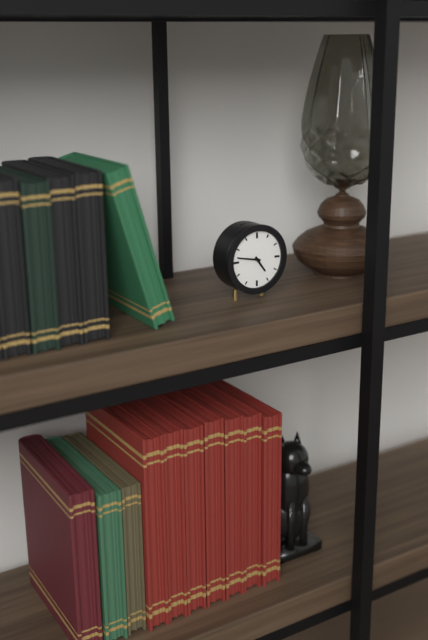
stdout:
h=4 m=47
